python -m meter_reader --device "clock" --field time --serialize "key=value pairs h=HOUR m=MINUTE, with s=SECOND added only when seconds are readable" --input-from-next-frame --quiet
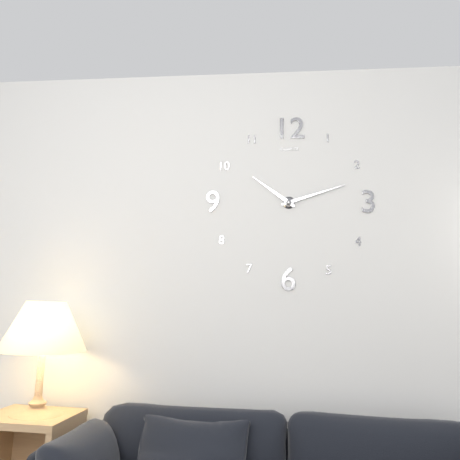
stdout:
h=10 m=12
